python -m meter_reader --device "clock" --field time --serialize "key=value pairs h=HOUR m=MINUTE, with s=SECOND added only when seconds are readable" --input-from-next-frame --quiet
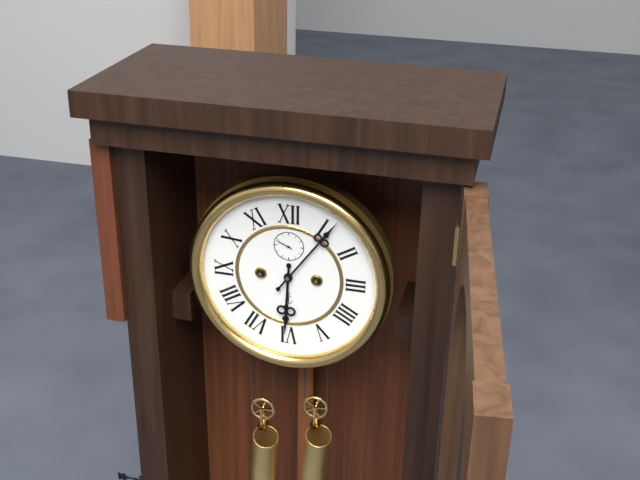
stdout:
h=6 m=6
